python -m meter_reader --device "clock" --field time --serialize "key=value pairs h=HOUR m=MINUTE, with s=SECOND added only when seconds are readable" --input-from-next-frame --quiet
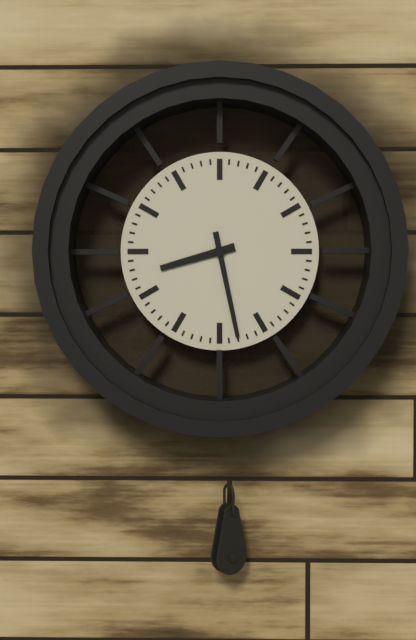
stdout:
h=8 m=28
